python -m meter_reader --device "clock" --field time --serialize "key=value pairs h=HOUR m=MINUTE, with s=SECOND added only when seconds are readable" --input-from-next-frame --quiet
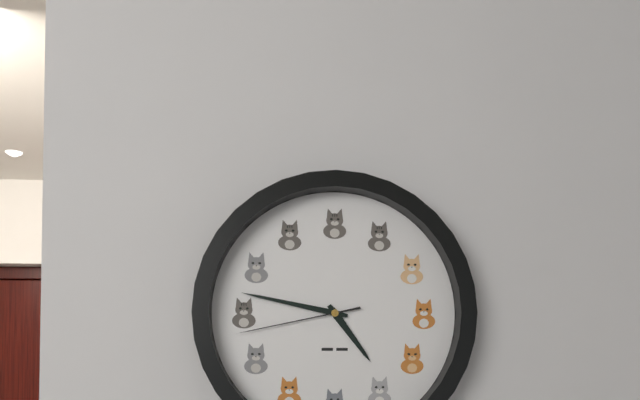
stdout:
h=4 m=47 s=43
